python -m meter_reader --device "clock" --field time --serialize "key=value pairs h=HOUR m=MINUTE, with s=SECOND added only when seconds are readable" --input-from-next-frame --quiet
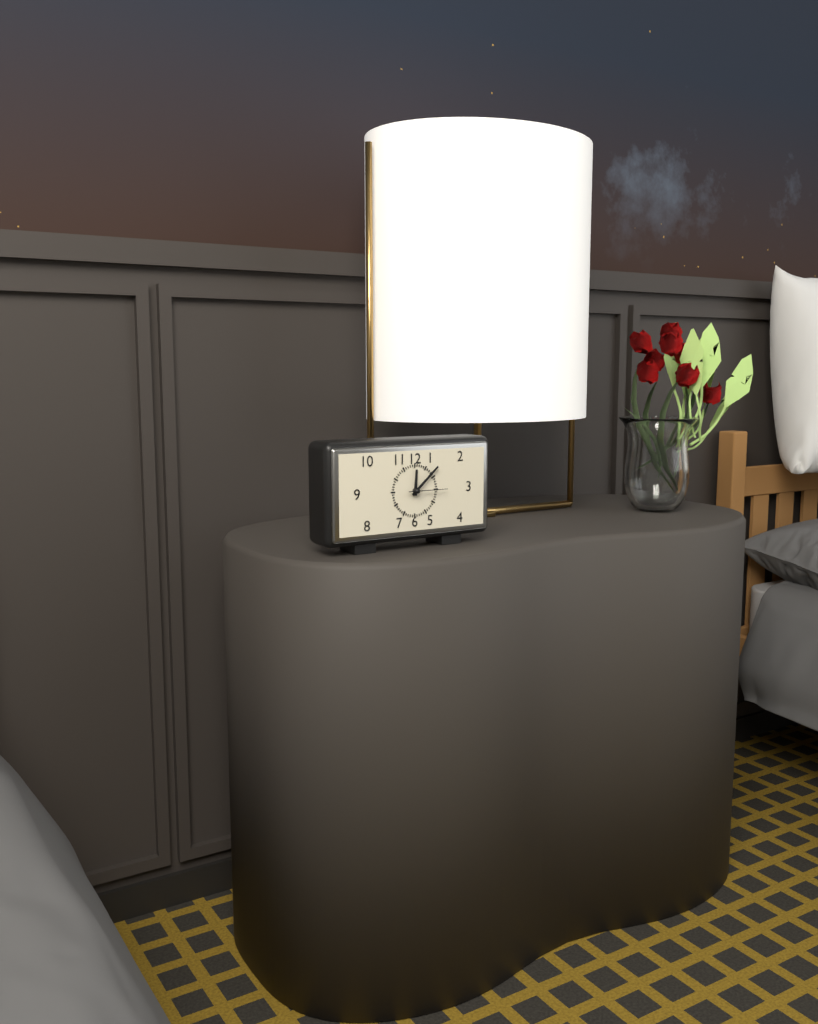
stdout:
h=12 m=8
